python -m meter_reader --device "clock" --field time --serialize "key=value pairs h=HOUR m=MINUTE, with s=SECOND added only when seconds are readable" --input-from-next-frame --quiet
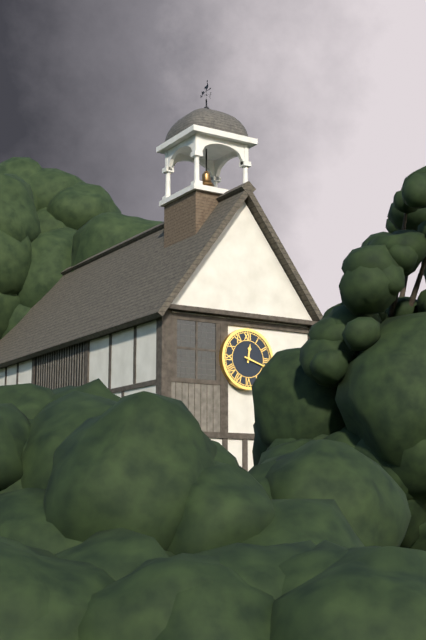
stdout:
h=12 m=18
